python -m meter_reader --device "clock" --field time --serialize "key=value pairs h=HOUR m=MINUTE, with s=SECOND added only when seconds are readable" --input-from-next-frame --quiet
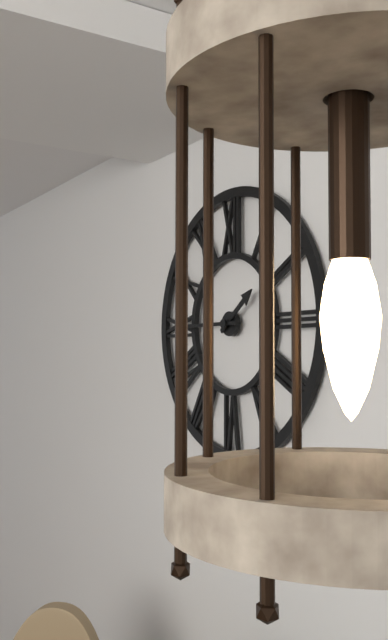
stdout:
h=1 m=45
